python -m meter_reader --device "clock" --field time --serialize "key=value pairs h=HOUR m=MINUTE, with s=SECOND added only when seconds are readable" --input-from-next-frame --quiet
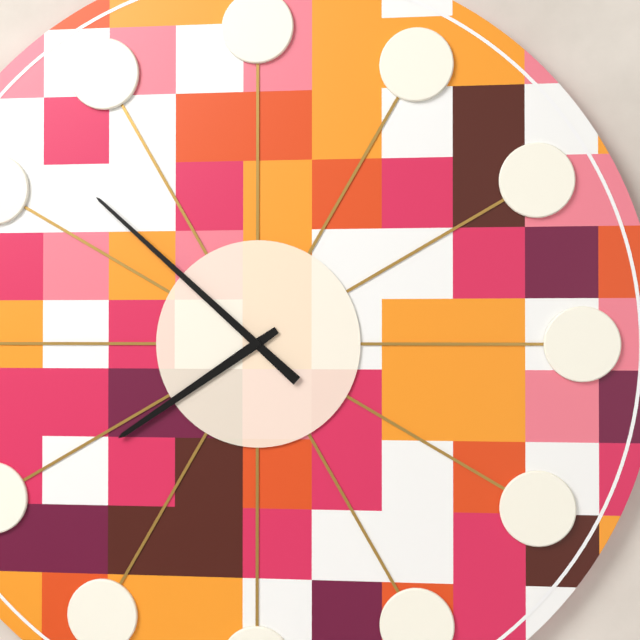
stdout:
h=7 m=52
